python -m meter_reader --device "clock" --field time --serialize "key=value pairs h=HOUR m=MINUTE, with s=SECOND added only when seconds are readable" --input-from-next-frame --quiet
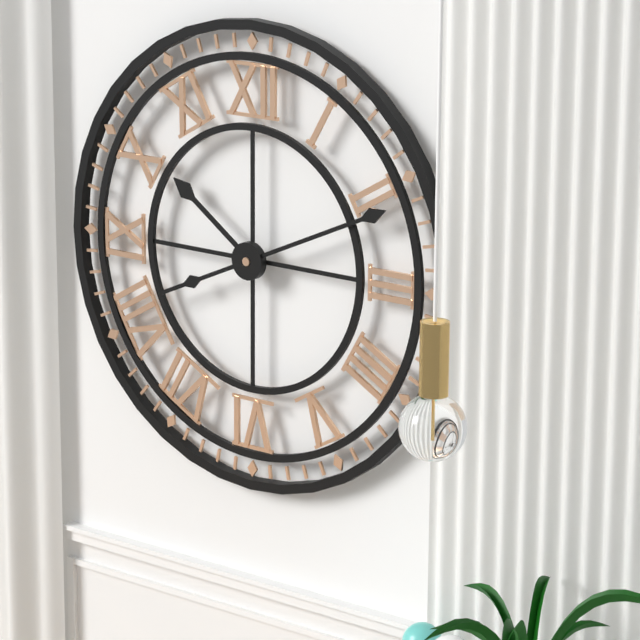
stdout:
h=10 m=11
